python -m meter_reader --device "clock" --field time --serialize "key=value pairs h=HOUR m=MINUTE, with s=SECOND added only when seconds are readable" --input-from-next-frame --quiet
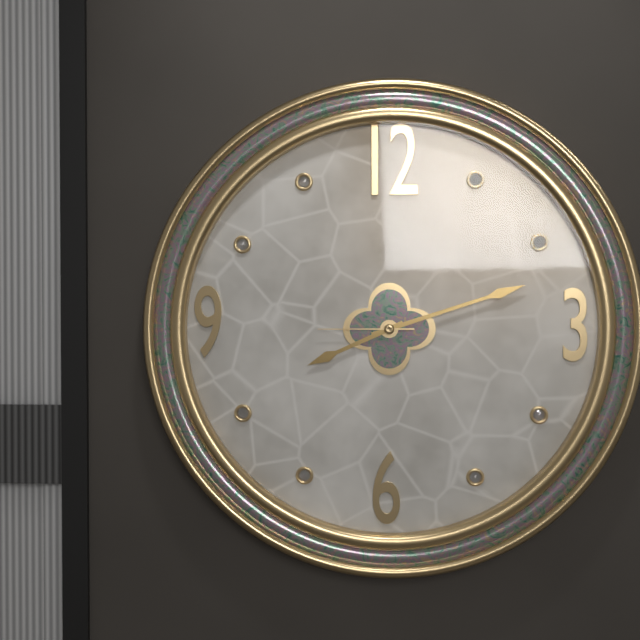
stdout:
h=8 m=12 s=45
